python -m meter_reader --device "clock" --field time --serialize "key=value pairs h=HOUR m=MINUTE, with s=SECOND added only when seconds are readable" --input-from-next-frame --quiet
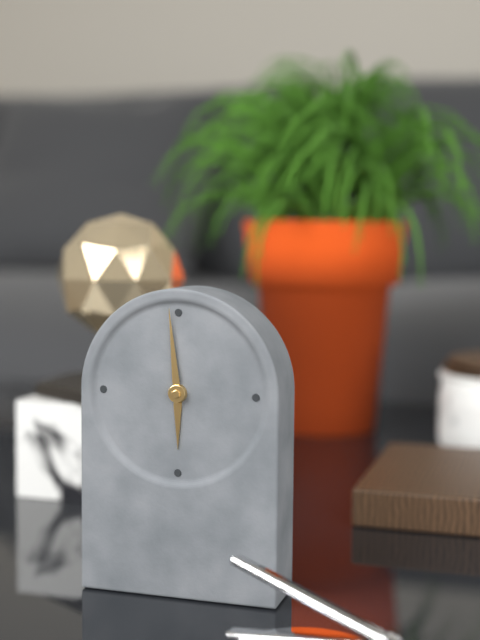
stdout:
h=5 m=59
